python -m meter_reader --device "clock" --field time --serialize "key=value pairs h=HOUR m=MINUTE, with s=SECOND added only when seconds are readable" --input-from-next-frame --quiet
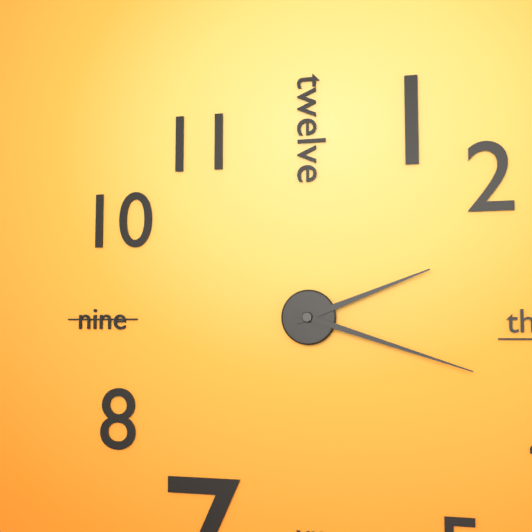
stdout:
h=2 m=18
